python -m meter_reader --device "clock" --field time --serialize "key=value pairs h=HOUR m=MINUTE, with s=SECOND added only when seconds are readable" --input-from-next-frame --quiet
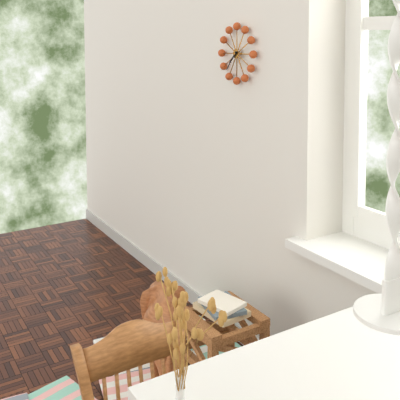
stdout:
h=7 m=37
